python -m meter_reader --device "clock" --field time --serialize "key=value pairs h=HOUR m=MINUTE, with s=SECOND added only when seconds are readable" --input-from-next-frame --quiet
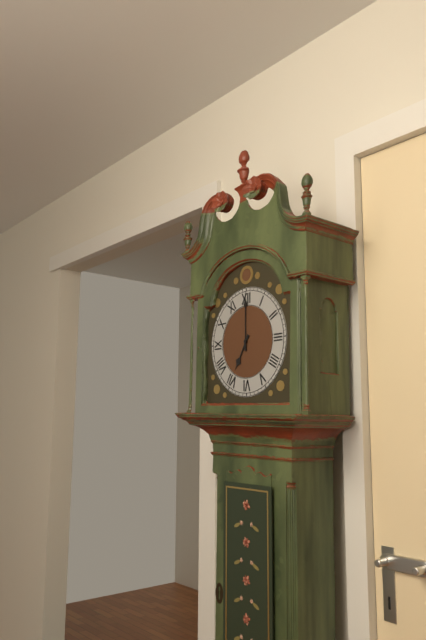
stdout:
h=7 m=0
